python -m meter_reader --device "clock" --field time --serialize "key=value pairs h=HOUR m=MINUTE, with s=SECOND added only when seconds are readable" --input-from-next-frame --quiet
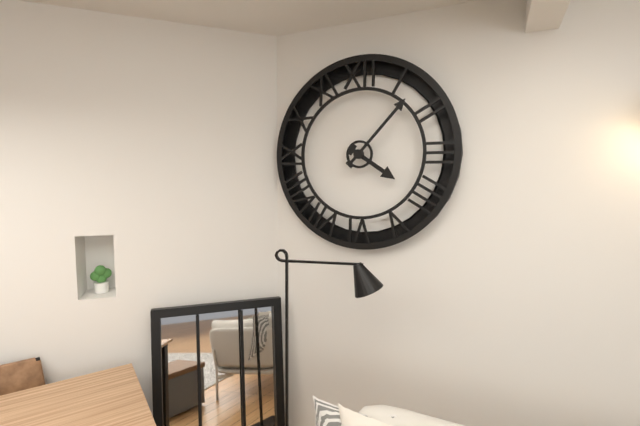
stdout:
h=4 m=7
